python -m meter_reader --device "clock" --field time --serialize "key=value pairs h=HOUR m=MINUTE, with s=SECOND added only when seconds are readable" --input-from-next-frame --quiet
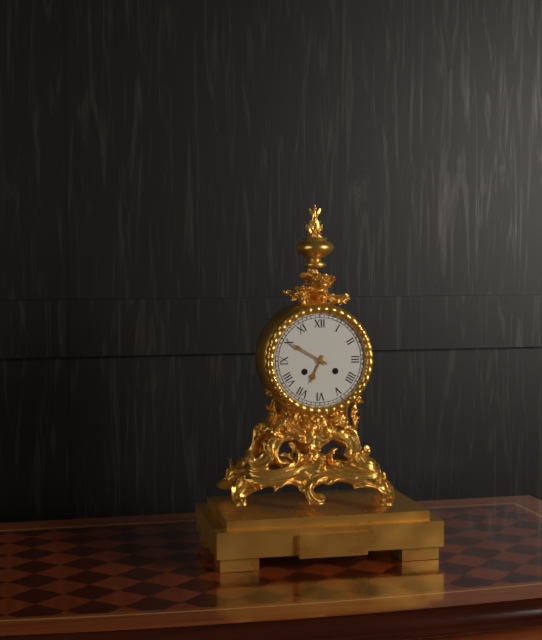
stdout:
h=6 m=50
